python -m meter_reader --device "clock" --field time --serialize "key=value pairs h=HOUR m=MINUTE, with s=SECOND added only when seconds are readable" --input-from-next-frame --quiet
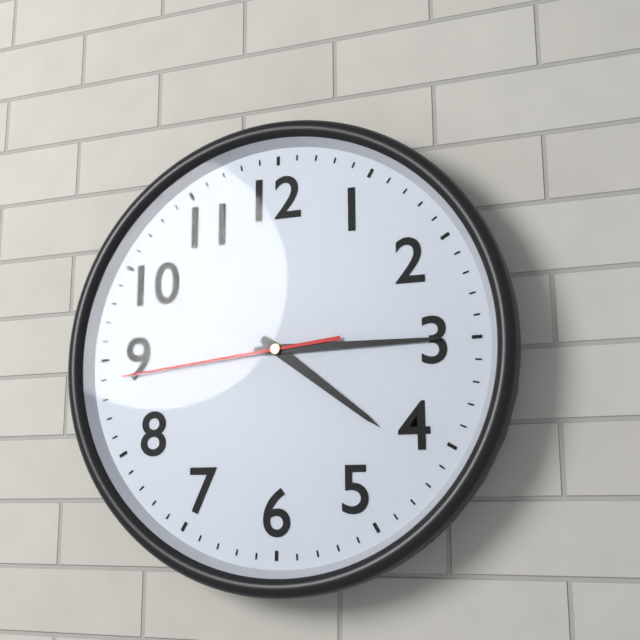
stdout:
h=4 m=15 s=44
